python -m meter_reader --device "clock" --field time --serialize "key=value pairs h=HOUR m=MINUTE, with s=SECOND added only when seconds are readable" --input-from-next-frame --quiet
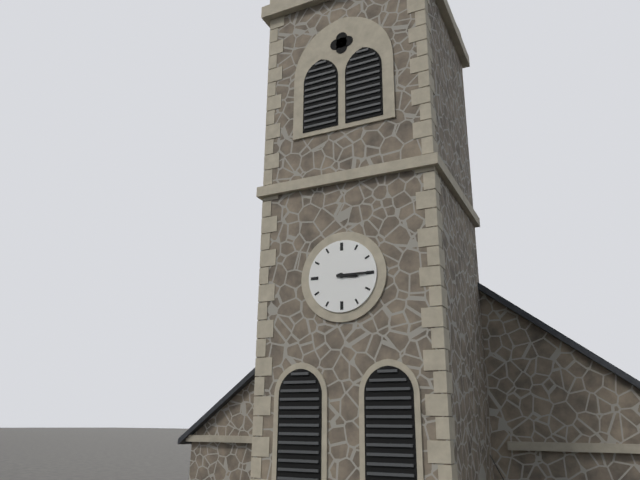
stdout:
h=3 m=15
